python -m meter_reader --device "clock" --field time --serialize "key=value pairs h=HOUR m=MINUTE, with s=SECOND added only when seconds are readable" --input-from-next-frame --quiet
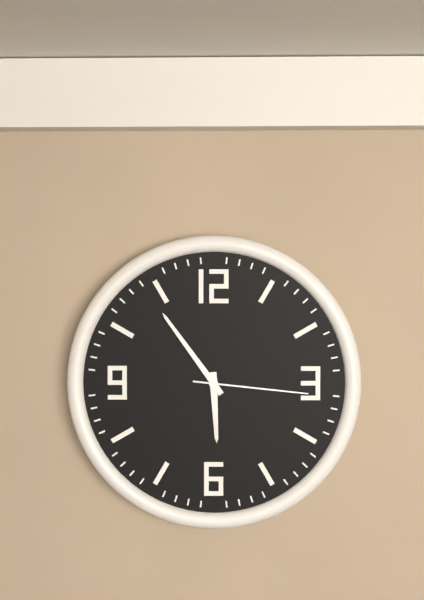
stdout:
h=5 m=54 s=16
